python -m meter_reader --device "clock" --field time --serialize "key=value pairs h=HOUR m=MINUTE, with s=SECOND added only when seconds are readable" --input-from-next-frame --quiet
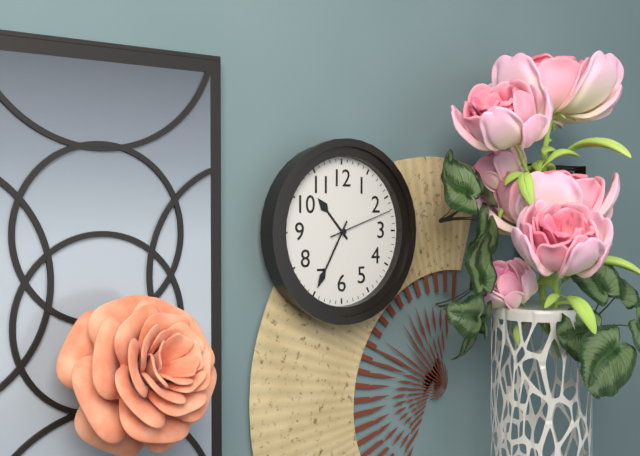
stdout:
h=10 m=35 s=12
